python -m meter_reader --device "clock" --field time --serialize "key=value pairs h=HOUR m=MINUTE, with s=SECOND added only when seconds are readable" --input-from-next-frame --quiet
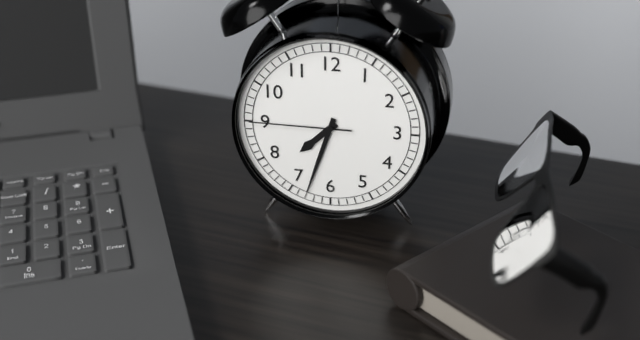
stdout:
h=7 m=33 s=45
